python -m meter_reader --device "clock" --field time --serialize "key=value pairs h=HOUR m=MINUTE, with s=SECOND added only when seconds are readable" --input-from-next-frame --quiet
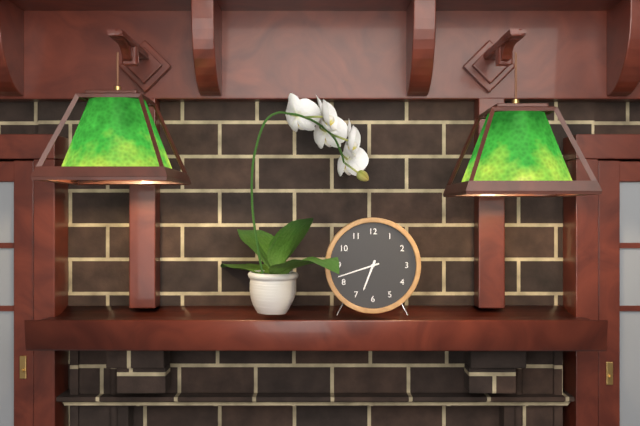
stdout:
h=6 m=42
